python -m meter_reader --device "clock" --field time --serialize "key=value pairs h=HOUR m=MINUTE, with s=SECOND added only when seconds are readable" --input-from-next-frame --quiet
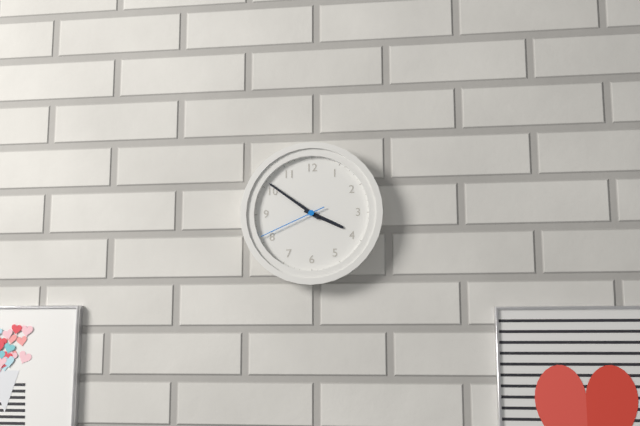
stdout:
h=3 m=51 s=41
